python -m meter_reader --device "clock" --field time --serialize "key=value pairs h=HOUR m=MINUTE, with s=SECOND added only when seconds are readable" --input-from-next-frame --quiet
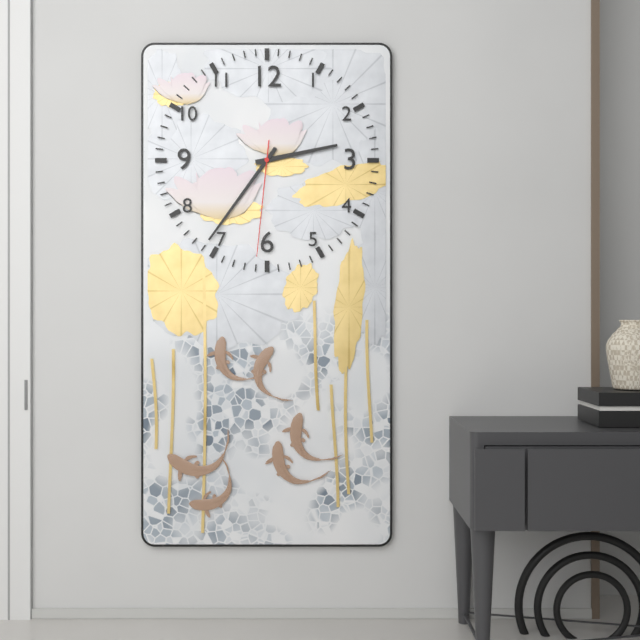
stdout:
h=2 m=36 s=31
